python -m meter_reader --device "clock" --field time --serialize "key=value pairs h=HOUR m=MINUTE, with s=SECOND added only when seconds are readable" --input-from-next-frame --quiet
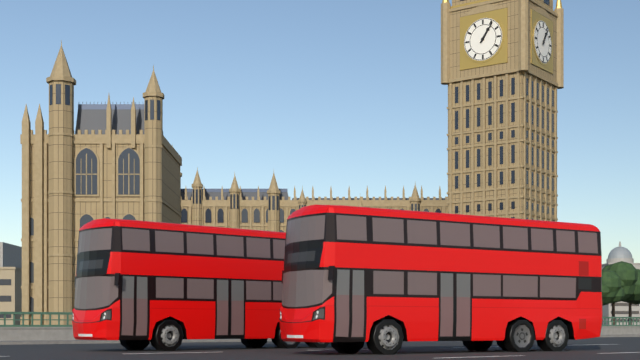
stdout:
h=1 m=6
